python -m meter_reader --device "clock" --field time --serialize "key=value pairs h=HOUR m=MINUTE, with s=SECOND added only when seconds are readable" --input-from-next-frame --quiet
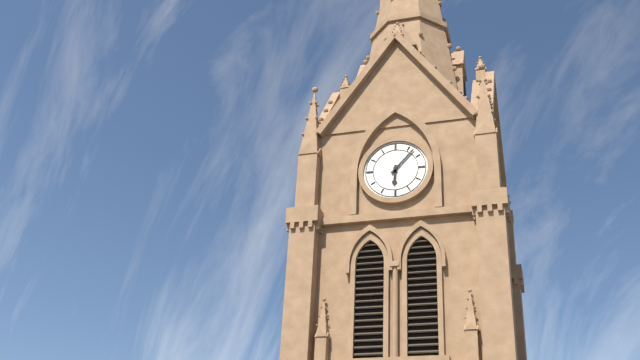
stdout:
h=6 m=7
